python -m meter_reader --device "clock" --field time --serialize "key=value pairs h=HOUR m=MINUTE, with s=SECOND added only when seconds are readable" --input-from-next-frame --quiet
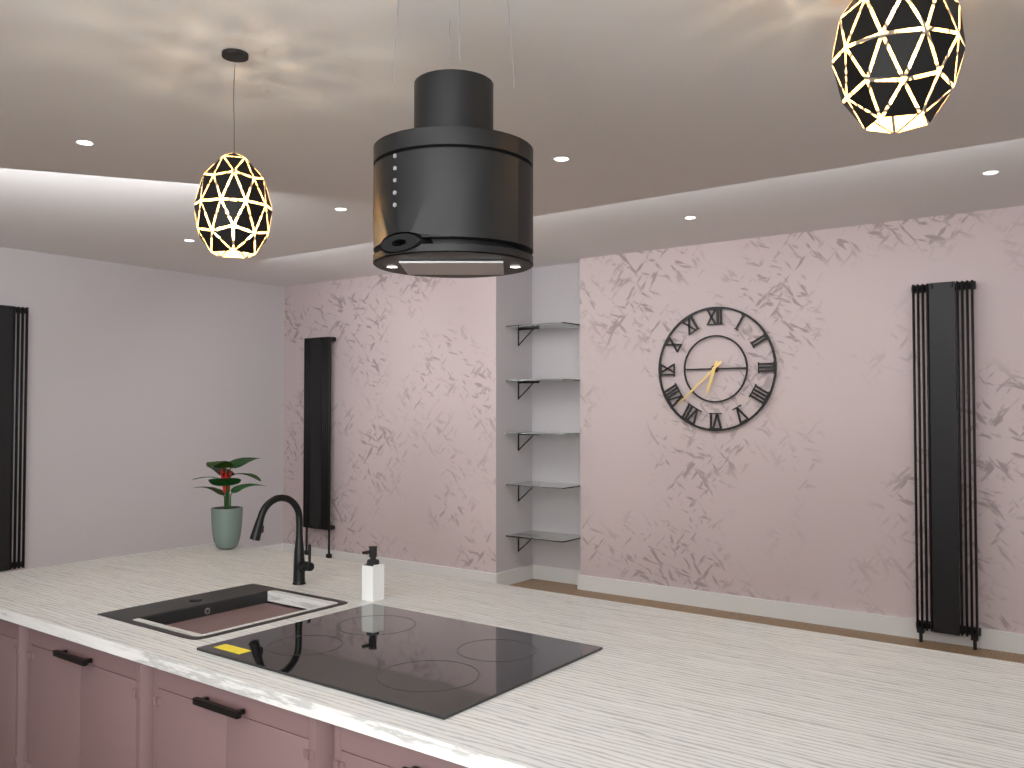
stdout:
h=6 m=38
